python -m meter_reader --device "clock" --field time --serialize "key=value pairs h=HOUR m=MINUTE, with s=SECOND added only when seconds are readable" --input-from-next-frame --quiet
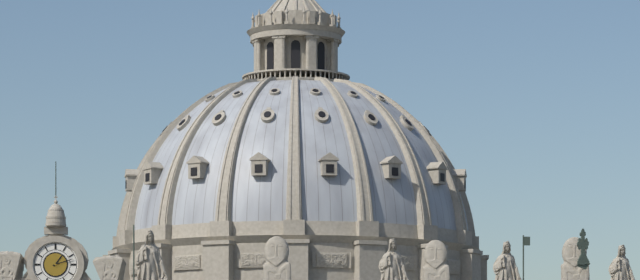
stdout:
h=1 m=12
